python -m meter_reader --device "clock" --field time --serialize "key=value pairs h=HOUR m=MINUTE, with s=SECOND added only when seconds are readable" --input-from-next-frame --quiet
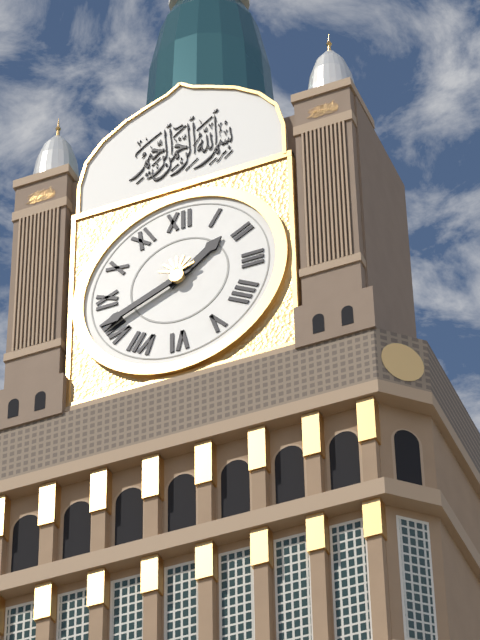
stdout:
h=1 m=41
